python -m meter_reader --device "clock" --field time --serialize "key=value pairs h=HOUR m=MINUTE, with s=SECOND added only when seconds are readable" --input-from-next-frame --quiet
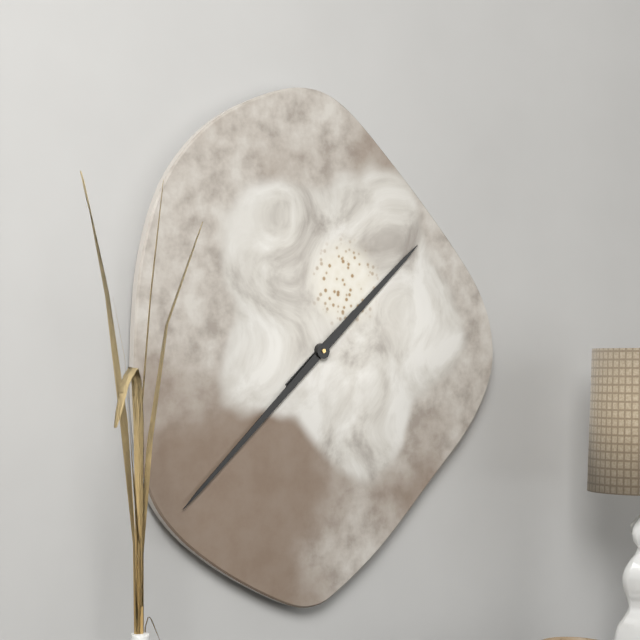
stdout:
h=1 m=38
